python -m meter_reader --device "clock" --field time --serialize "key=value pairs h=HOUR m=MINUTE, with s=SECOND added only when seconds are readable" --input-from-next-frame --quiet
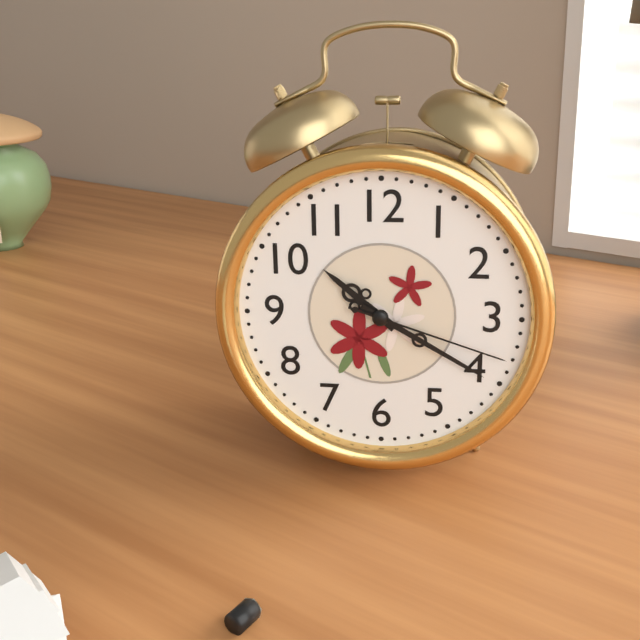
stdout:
h=10 m=20 s=18
